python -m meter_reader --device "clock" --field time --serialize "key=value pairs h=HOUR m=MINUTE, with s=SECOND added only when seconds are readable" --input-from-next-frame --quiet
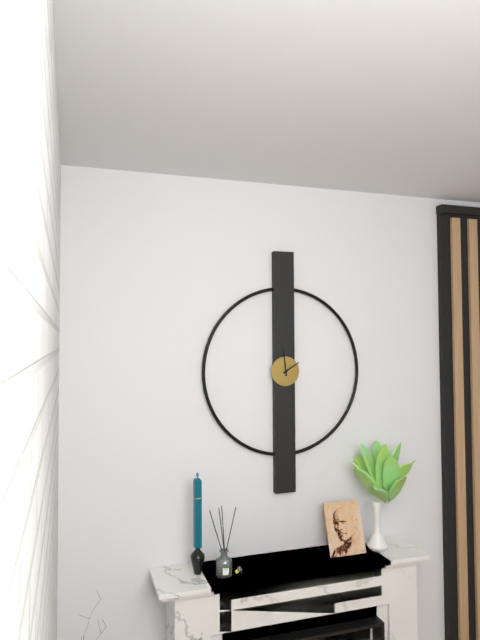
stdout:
h=1 m=59
